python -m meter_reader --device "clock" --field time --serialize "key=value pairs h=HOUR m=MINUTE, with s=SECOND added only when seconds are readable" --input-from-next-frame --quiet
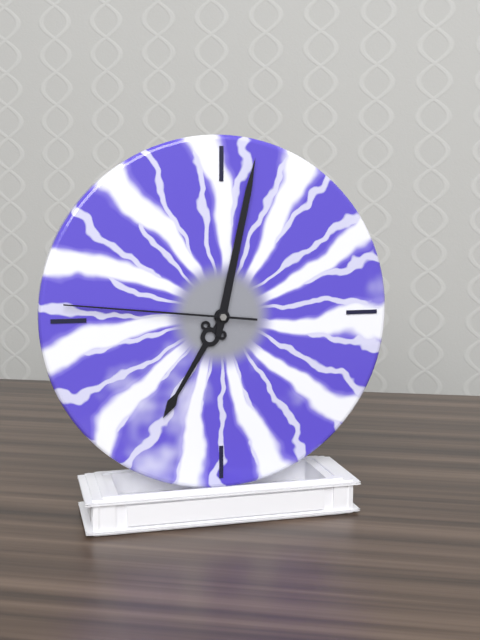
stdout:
h=7 m=2 s=46
